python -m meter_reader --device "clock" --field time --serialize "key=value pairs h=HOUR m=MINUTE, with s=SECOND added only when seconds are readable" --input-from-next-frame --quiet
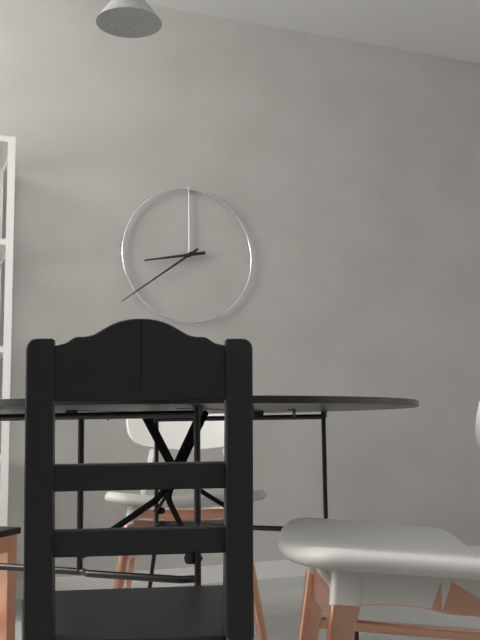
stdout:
h=8 m=39
